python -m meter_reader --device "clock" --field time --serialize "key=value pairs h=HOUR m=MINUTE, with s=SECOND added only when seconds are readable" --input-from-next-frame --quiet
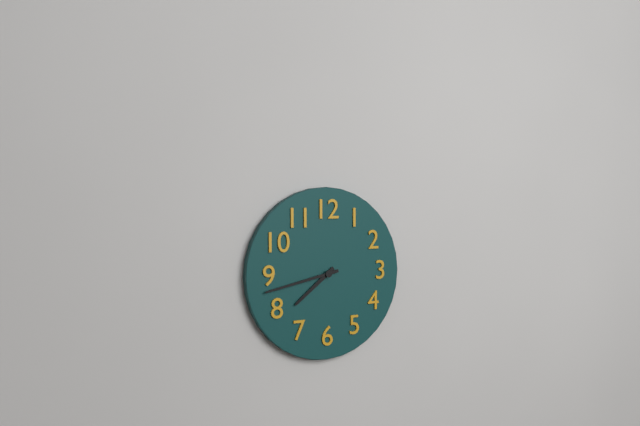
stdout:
h=7 m=43
